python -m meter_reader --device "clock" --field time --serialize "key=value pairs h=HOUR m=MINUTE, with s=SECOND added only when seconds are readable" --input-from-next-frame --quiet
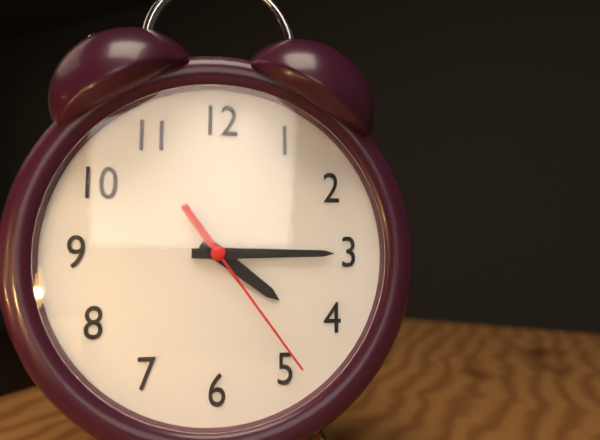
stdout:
h=4 m=15 s=24
